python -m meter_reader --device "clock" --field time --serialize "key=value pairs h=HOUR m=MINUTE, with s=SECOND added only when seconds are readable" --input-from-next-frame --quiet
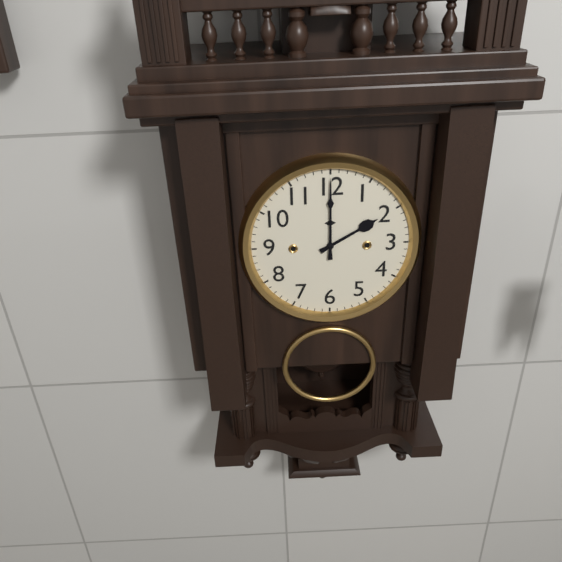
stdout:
h=2 m=0
